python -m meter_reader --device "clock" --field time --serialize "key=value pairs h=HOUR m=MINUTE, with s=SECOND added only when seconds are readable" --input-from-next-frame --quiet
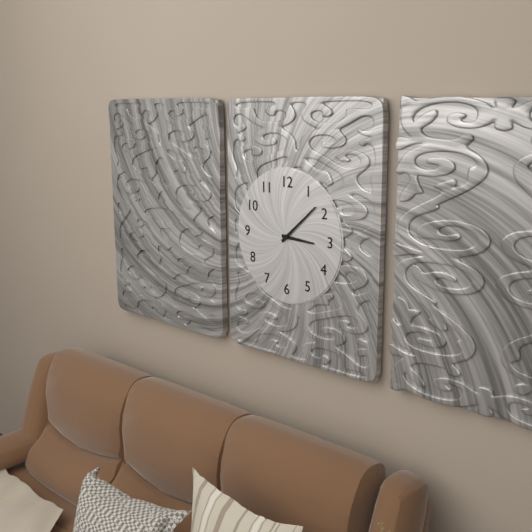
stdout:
h=3 m=8
